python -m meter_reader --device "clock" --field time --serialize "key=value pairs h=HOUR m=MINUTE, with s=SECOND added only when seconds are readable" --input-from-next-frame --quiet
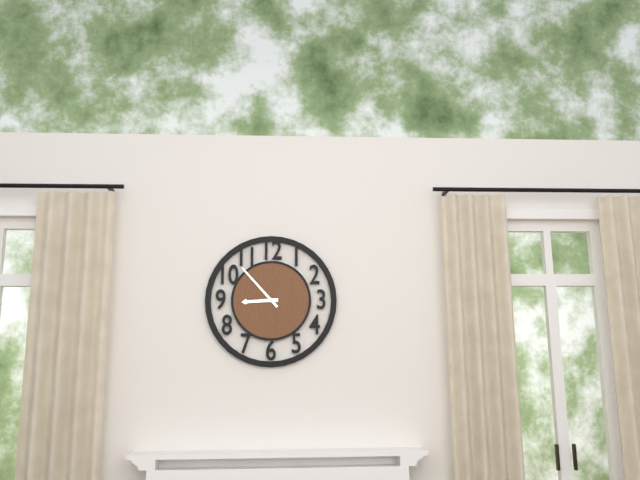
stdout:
h=8 m=53
